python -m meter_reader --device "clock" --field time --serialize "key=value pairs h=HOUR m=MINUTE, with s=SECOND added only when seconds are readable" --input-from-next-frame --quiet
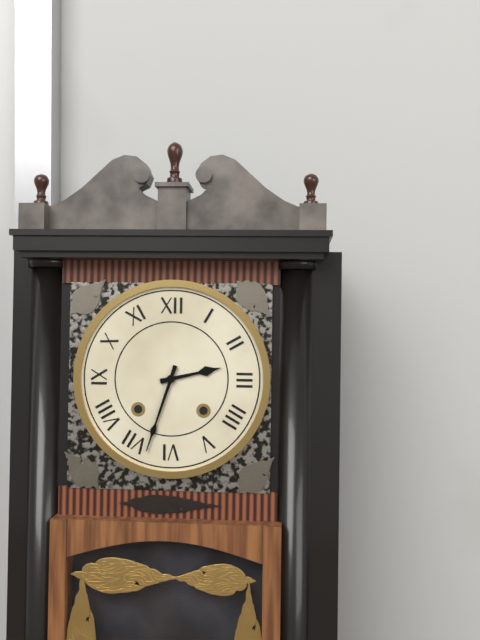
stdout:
h=2 m=33
